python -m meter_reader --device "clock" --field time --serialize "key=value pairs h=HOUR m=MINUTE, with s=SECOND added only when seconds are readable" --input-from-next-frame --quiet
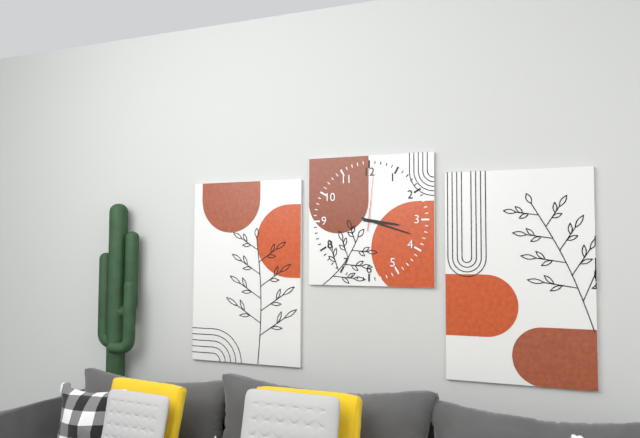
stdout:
h=3 m=18 s=1
